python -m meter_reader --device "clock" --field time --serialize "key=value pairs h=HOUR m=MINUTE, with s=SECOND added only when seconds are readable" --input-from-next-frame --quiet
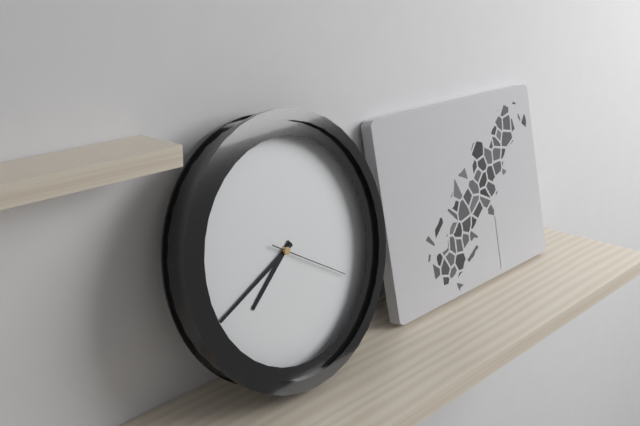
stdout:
h=7 m=41 s=20
